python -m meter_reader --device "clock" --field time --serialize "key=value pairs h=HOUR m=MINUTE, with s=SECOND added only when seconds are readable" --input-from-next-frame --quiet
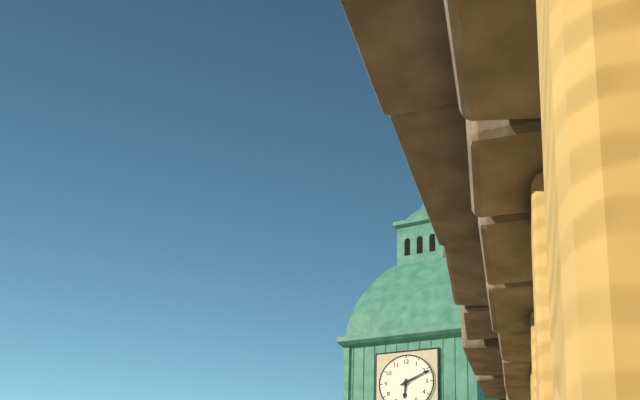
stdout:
h=6 m=11
